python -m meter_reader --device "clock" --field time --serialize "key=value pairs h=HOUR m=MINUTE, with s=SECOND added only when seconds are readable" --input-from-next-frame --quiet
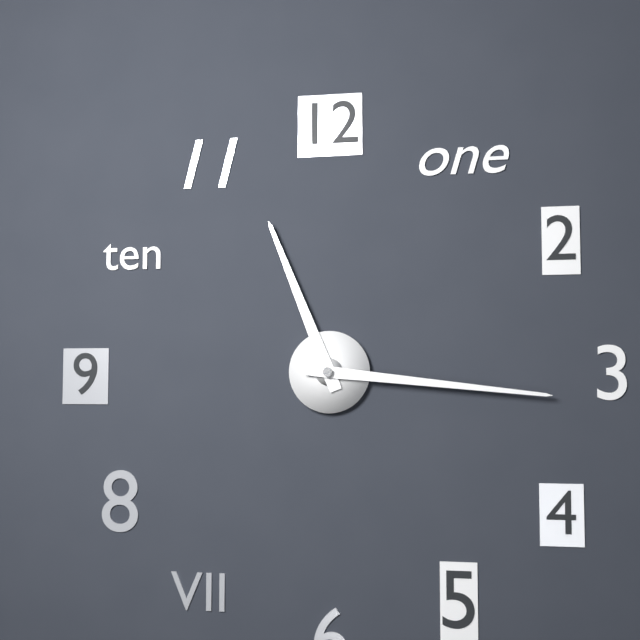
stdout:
h=11 m=16
